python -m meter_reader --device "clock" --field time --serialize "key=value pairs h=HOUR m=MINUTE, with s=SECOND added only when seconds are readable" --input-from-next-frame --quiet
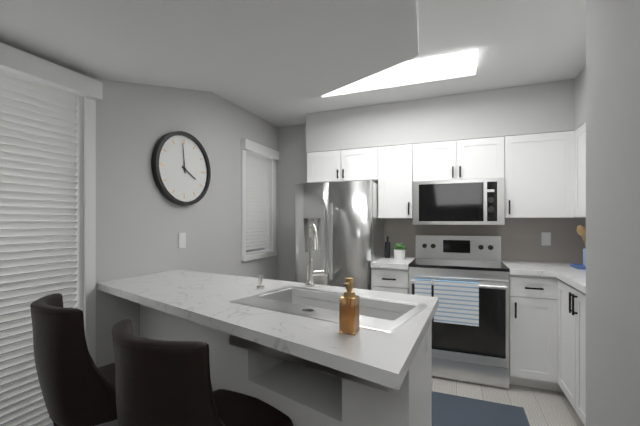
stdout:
h=3 m=59
